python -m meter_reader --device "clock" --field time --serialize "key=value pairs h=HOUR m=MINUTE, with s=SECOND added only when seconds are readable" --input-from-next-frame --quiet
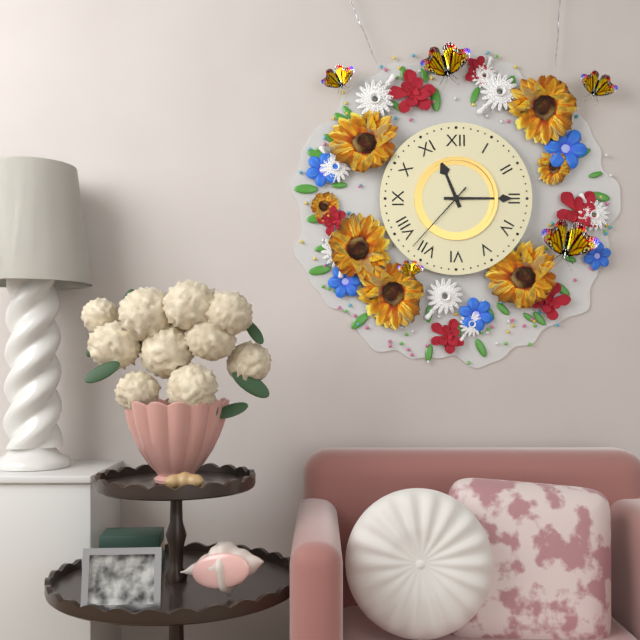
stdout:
h=11 m=15 s=37
